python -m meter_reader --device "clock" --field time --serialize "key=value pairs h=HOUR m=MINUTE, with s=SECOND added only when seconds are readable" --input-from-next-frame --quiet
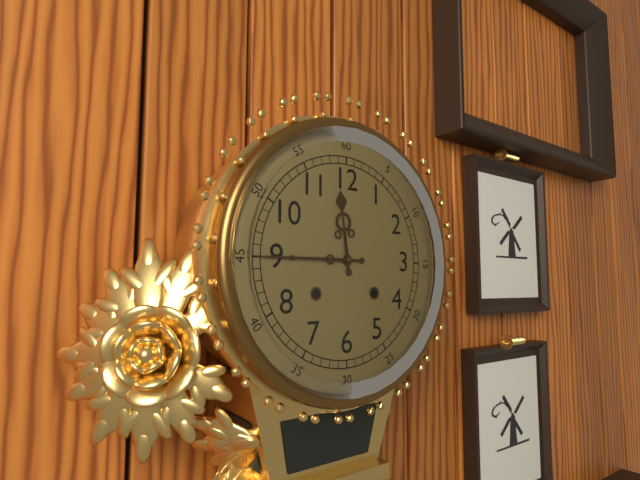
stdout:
h=11 m=45
